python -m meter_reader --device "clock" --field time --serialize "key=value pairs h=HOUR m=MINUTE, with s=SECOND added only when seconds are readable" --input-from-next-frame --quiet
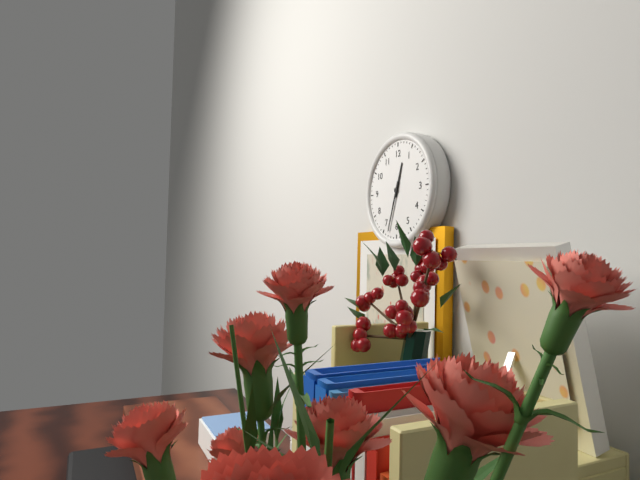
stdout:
h=12 m=33
